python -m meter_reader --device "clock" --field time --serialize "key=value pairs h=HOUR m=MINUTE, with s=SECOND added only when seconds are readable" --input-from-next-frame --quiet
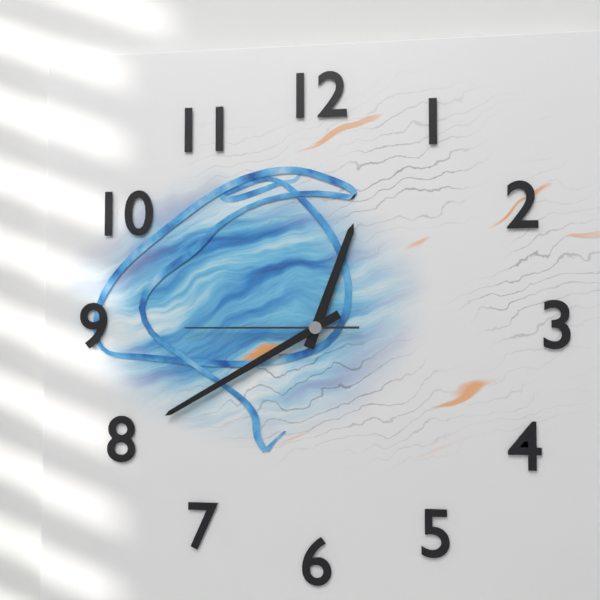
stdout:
h=12 m=40 s=45
